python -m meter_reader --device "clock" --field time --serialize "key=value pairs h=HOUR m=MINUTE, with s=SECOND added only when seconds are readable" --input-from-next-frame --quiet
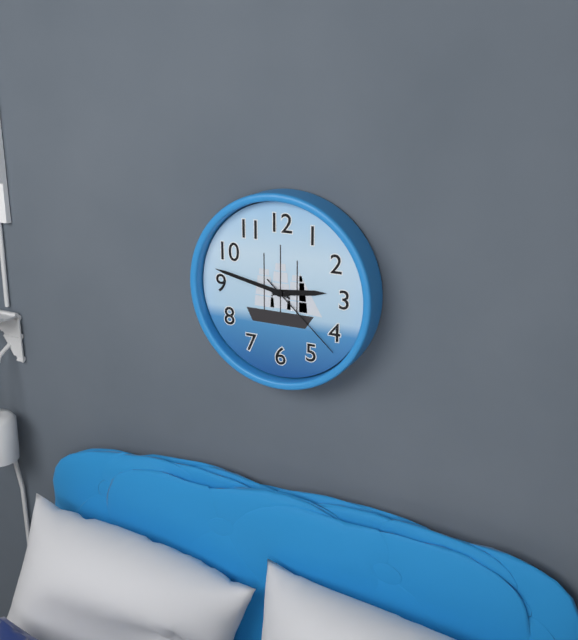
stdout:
h=2 m=47 s=22
